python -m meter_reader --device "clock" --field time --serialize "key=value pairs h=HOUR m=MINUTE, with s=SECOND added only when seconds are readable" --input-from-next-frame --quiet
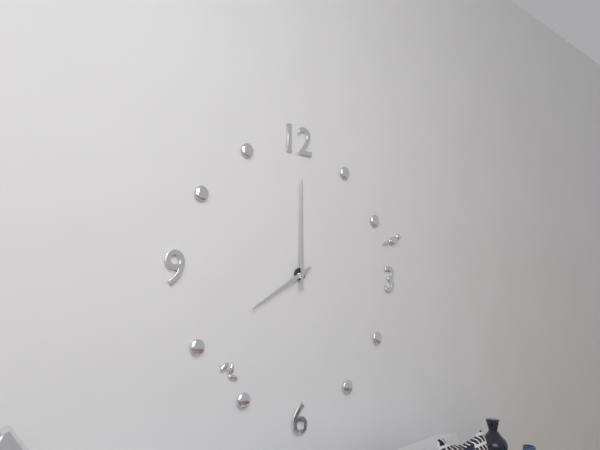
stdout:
h=8 m=0
